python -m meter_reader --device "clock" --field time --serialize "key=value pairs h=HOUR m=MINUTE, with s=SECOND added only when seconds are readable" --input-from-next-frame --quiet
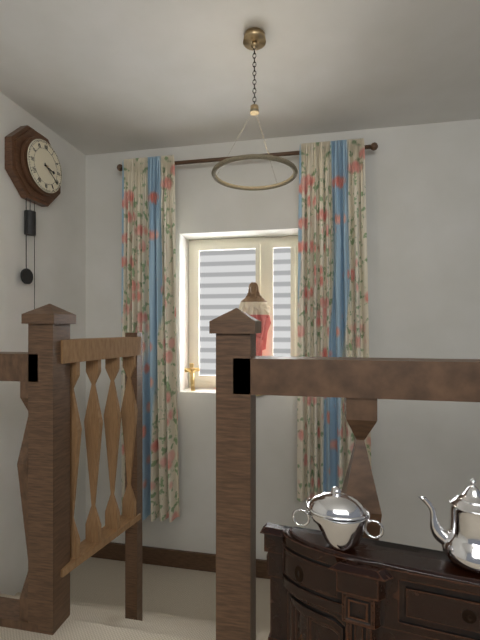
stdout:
h=3 m=21
